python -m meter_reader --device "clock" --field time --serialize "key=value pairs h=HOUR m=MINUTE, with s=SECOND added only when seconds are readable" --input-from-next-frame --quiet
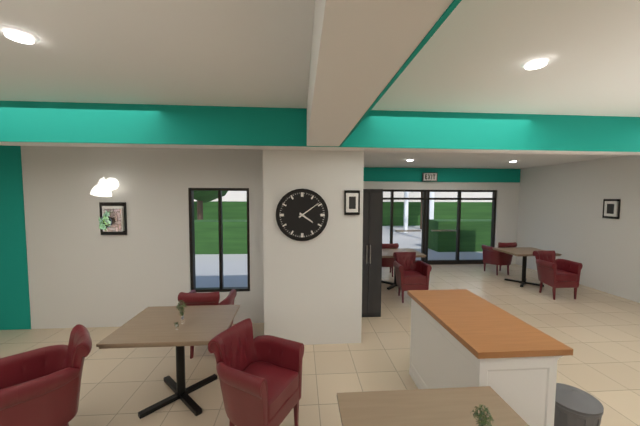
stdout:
h=4 m=9
